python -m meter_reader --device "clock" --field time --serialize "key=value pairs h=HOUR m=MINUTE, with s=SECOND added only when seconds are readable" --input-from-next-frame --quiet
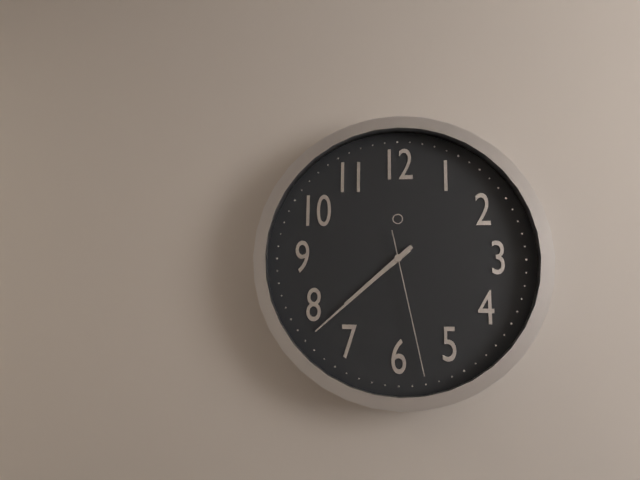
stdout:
h=7 m=38 s=28
